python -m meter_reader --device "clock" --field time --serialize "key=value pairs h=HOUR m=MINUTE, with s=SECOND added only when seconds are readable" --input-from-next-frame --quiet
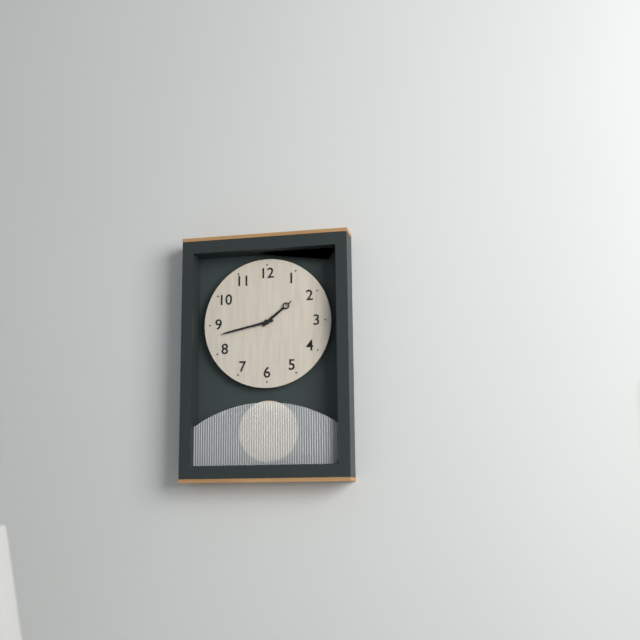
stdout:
h=1 m=43
